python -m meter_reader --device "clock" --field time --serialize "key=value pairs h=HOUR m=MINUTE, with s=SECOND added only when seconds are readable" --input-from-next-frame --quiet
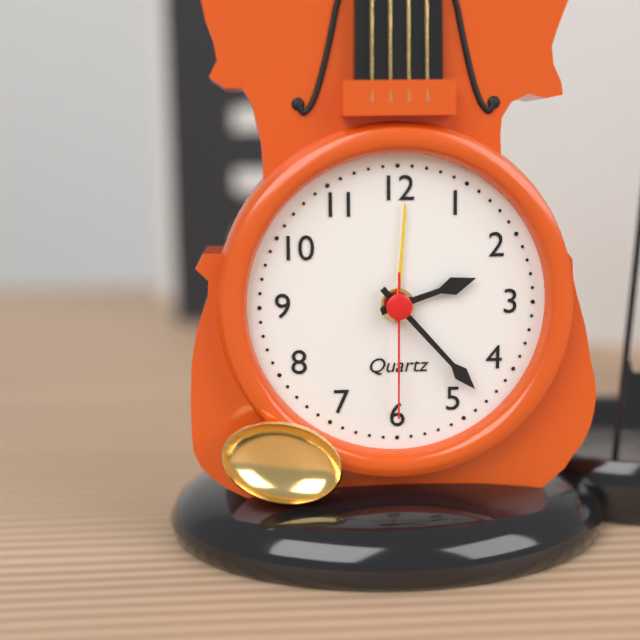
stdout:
h=2 m=23 s=30
